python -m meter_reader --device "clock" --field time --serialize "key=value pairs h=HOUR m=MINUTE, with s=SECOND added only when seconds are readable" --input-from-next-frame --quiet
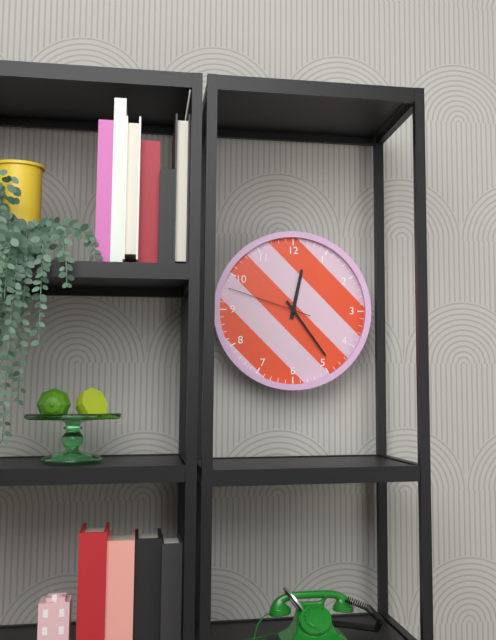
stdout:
h=12 m=24 s=48
